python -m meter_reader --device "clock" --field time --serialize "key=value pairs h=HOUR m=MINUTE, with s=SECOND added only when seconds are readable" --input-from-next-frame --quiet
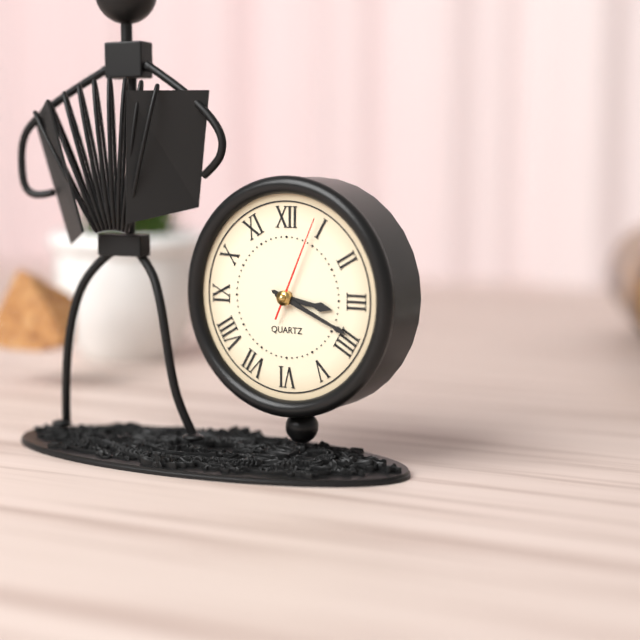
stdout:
h=3 m=19 s=4
